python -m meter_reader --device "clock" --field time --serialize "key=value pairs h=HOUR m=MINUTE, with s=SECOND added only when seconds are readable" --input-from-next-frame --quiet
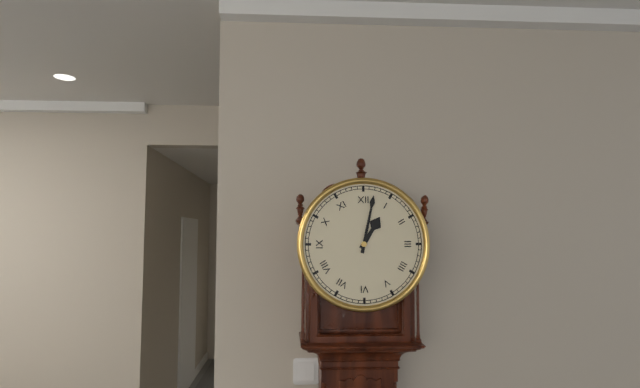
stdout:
h=1 m=2
